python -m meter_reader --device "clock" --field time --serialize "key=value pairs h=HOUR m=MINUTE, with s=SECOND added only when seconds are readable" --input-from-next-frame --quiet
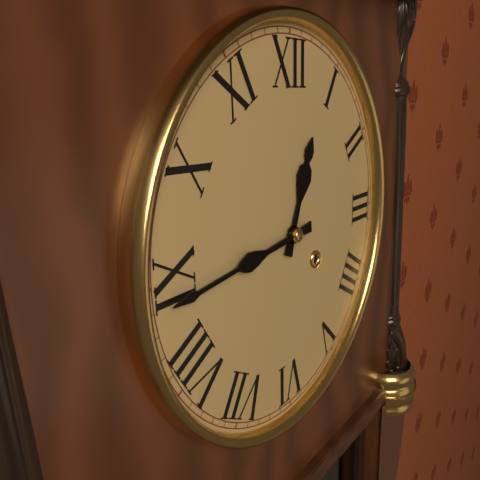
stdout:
h=12 m=44
